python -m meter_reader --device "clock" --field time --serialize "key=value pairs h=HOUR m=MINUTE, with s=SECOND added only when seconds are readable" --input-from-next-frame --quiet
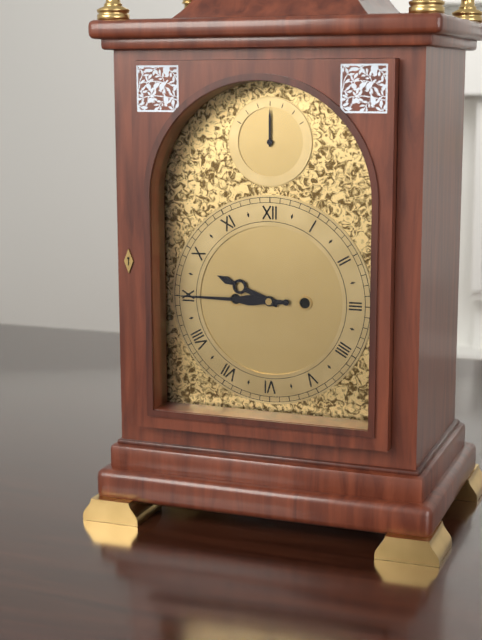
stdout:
h=9 m=45
